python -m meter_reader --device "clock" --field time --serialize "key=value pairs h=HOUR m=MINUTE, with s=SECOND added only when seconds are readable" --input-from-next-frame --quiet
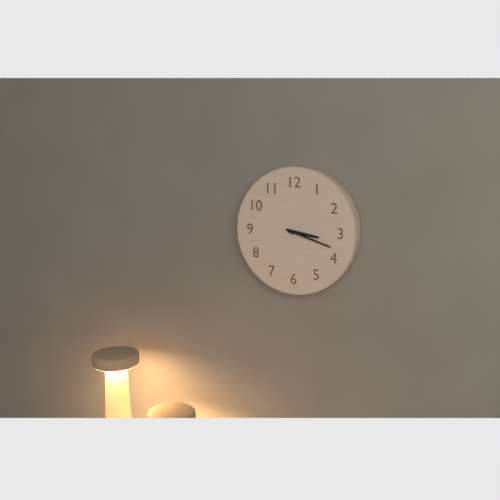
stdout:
h=3 m=18
